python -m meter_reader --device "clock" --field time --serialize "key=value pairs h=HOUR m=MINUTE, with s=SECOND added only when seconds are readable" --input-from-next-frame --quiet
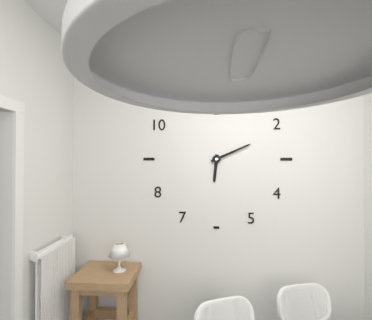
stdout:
h=6 m=11
